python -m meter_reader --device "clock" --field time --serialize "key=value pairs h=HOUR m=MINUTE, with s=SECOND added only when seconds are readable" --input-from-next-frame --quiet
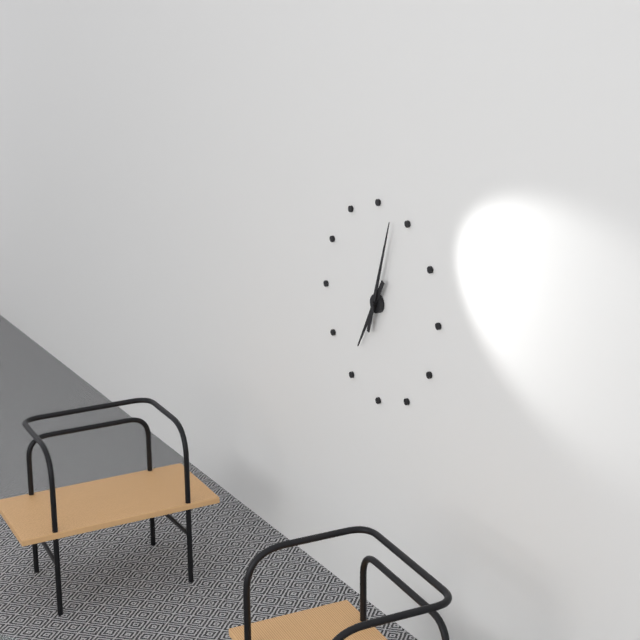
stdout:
h=7 m=3
